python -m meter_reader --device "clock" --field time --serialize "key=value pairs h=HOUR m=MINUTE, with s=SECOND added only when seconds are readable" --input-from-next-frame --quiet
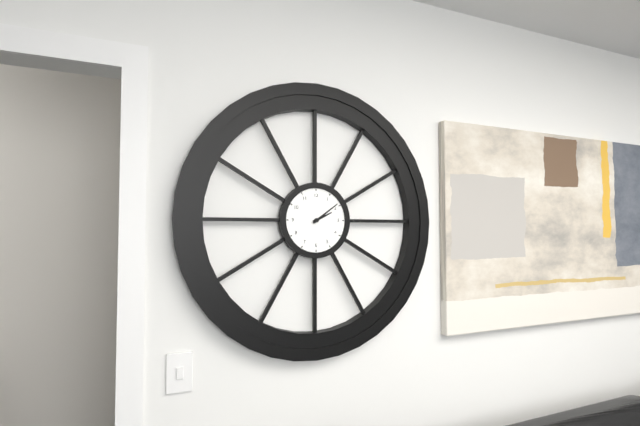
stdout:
h=2 m=9
